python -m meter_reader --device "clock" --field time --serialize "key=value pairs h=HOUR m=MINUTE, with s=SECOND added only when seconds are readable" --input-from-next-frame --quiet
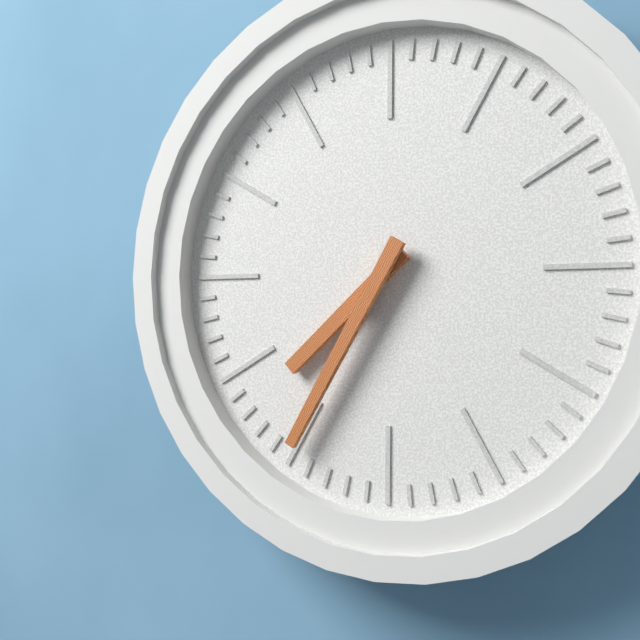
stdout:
h=7 m=35
